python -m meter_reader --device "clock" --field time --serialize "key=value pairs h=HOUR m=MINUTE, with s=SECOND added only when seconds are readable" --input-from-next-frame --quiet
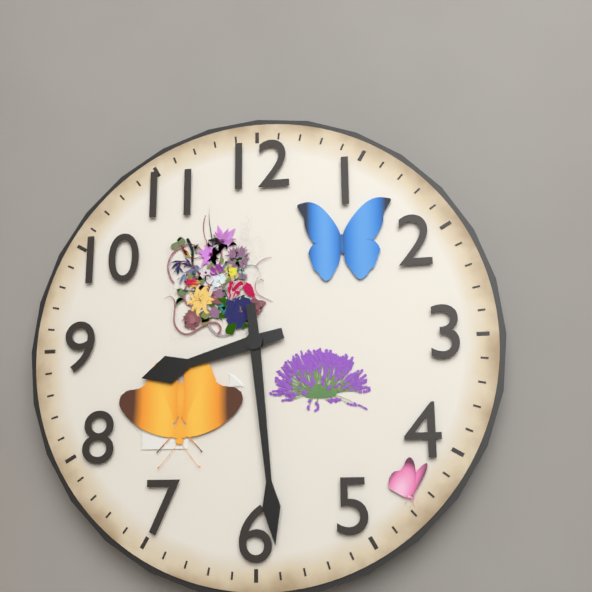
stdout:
h=8 m=29
